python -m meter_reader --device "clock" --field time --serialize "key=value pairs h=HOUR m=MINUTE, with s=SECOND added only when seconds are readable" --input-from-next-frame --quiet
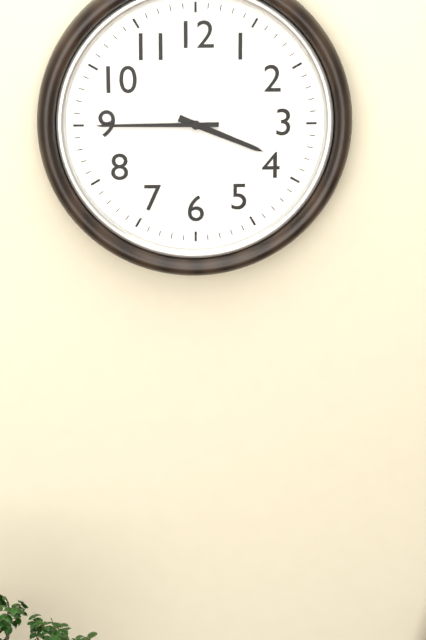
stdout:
h=3 m=45
